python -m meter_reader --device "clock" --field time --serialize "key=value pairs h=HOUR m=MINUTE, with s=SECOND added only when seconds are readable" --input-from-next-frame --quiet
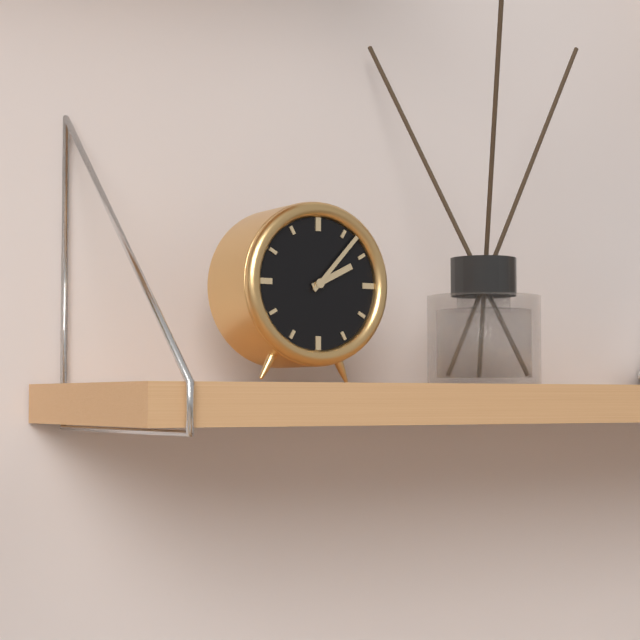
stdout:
h=2 m=7
